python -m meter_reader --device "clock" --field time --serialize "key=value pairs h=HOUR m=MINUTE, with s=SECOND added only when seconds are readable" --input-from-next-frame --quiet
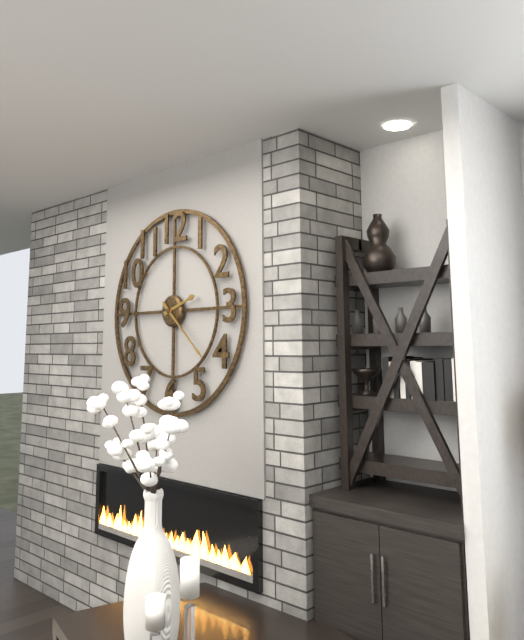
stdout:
h=2 m=22
